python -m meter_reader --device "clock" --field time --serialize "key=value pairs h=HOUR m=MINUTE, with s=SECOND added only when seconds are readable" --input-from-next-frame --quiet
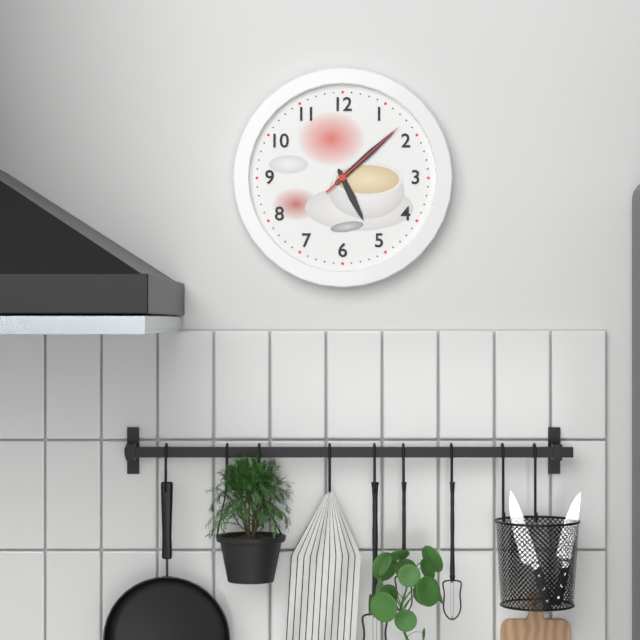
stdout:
h=5 m=8 s=8
